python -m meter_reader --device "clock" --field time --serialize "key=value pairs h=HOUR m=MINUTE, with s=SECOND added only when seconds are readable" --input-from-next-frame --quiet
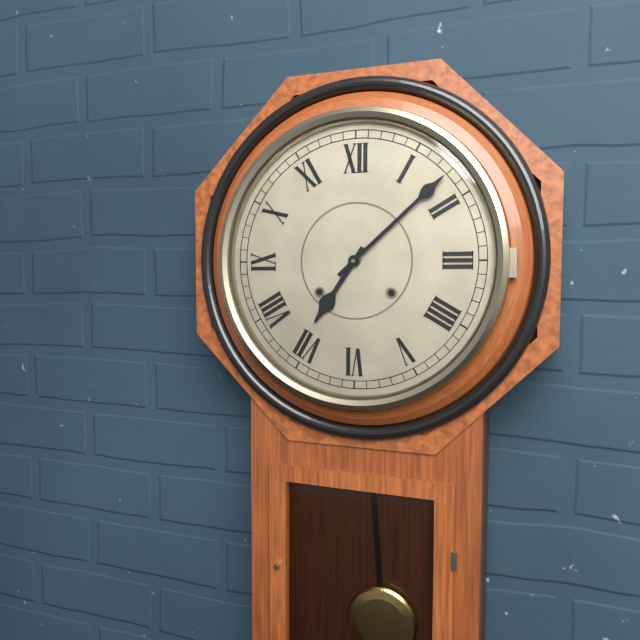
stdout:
h=7 m=8
